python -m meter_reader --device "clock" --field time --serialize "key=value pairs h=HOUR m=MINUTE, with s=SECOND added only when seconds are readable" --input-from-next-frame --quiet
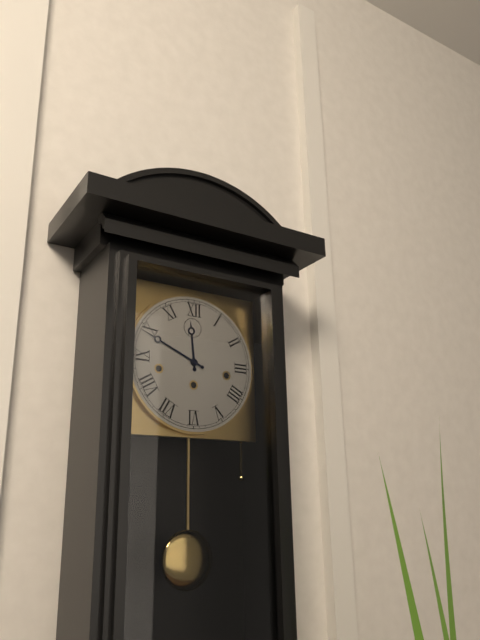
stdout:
h=11 m=49
